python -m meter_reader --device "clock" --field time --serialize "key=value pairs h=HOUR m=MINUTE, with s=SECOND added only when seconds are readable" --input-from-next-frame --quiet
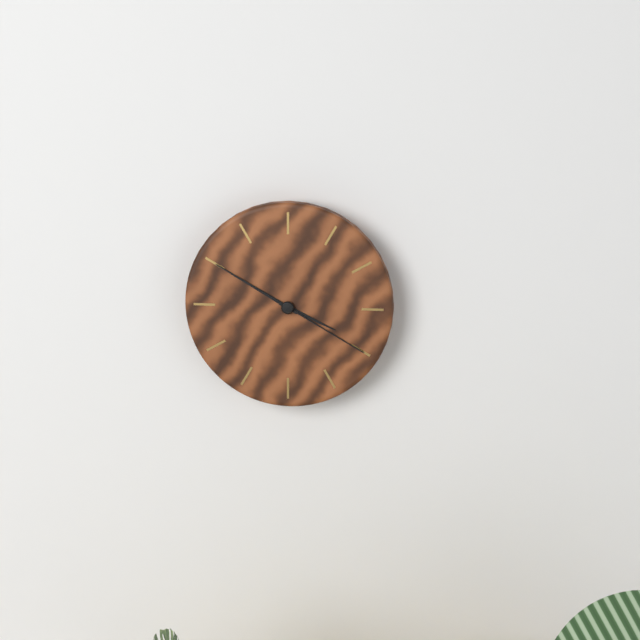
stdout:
h=3 m=50 s=20
